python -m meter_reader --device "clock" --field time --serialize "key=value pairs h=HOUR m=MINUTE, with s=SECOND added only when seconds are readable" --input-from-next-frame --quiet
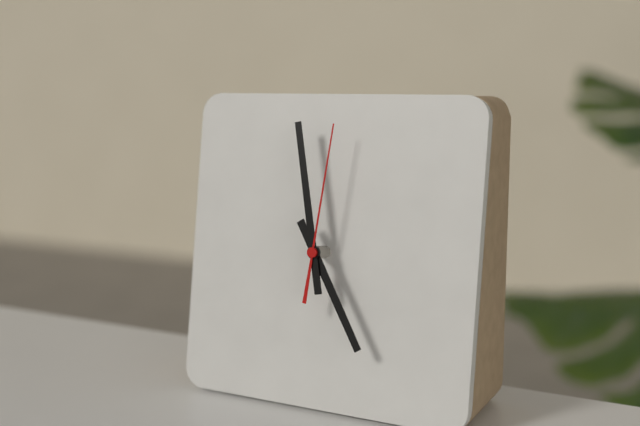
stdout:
h=4 m=58 s=1
